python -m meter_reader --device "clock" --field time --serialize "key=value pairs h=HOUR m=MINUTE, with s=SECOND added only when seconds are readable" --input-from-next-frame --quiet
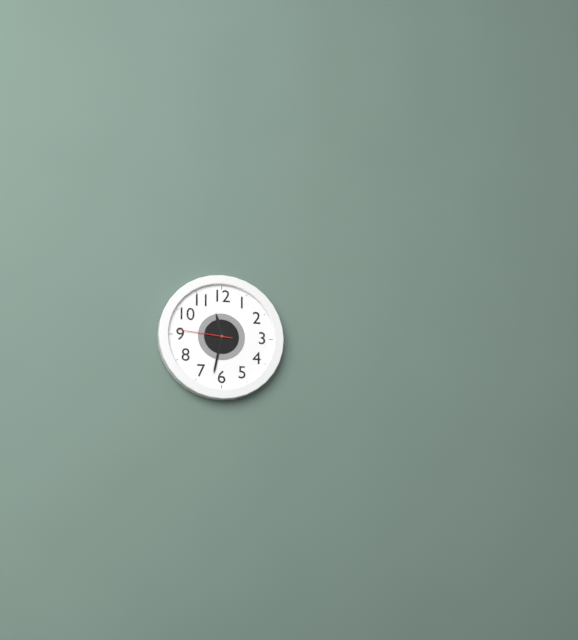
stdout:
h=11 m=32 s=46
